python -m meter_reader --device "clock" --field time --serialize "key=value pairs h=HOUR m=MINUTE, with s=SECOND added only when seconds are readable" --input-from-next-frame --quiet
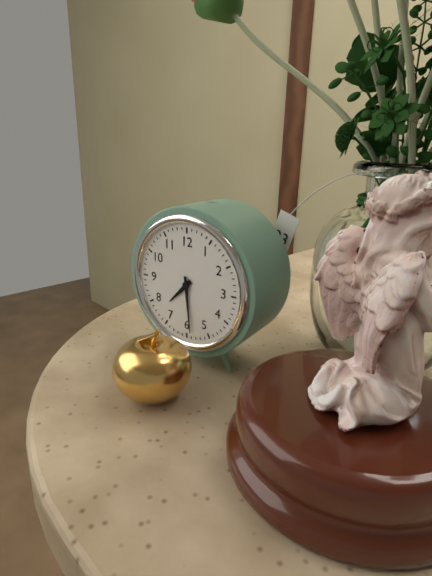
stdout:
h=7 m=29
